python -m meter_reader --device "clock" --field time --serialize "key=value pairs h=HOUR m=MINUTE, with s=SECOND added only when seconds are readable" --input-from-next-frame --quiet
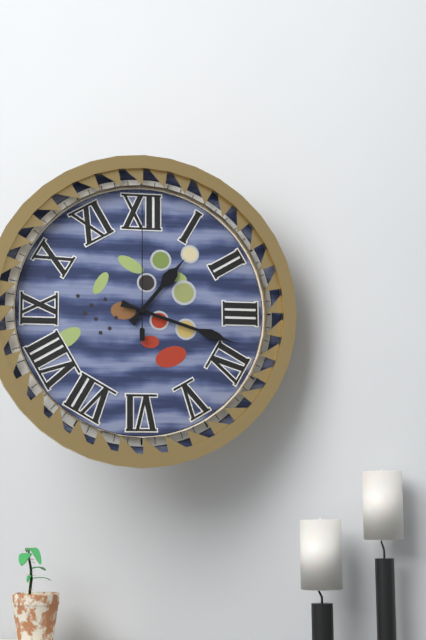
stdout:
h=1 m=18 s=0
